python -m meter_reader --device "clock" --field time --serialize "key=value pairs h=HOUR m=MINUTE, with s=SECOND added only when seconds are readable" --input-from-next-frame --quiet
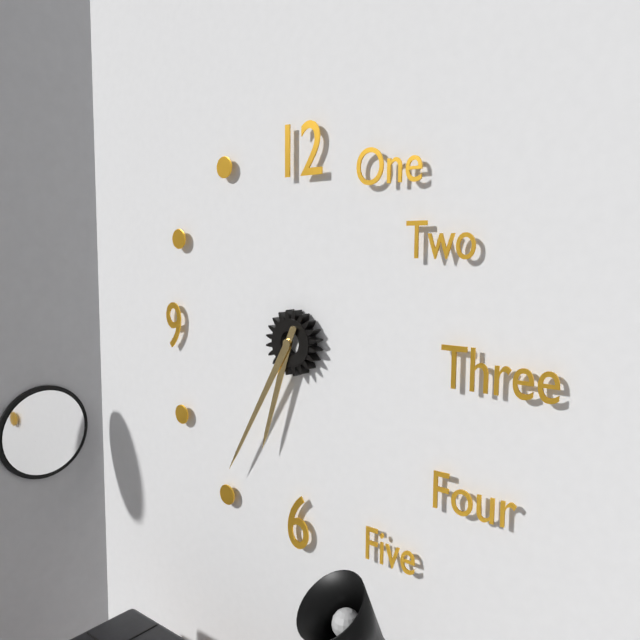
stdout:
h=6 m=35
